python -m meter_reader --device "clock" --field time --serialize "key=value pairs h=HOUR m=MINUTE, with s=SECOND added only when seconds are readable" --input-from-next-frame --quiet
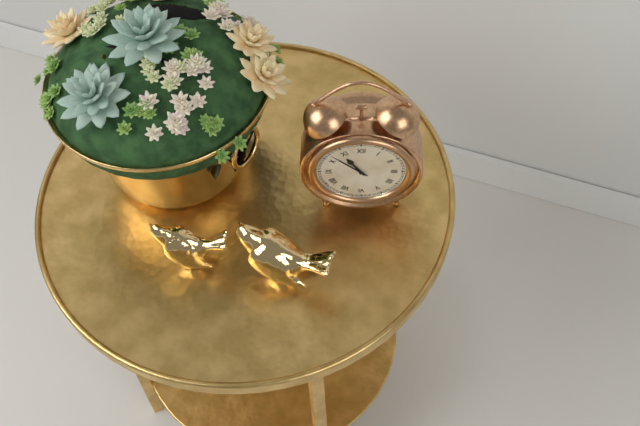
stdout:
h=10 m=52
